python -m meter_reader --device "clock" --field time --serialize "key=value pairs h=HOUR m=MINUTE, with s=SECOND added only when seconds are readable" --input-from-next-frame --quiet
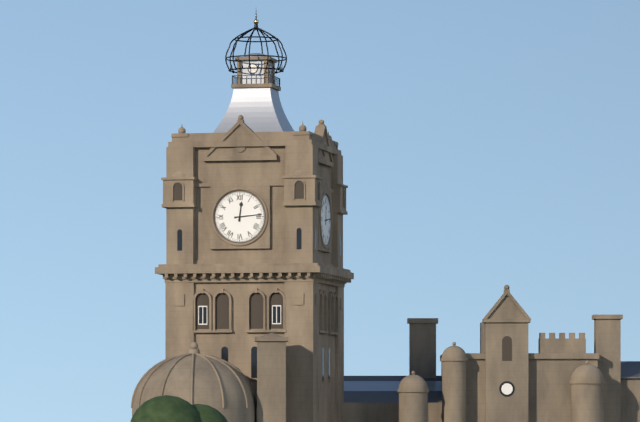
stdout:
h=12 m=14
